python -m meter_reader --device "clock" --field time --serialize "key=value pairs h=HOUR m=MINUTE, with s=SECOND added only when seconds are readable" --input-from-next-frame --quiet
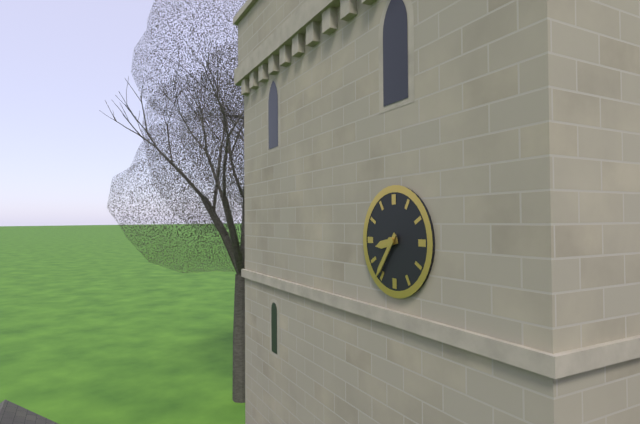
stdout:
h=8 m=36
